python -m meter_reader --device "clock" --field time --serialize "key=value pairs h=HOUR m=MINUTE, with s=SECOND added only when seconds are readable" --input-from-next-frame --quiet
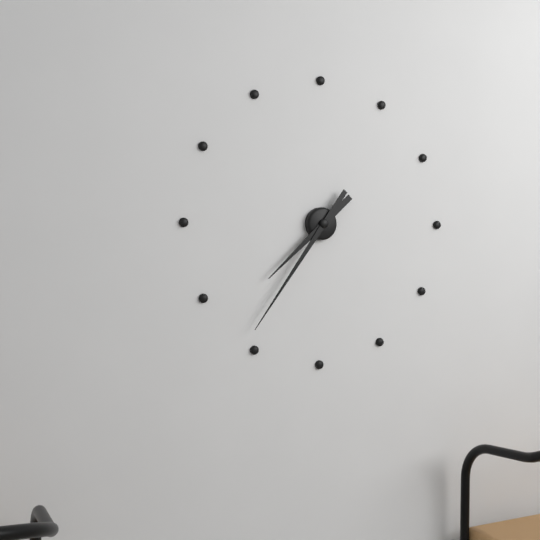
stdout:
h=7 m=36
